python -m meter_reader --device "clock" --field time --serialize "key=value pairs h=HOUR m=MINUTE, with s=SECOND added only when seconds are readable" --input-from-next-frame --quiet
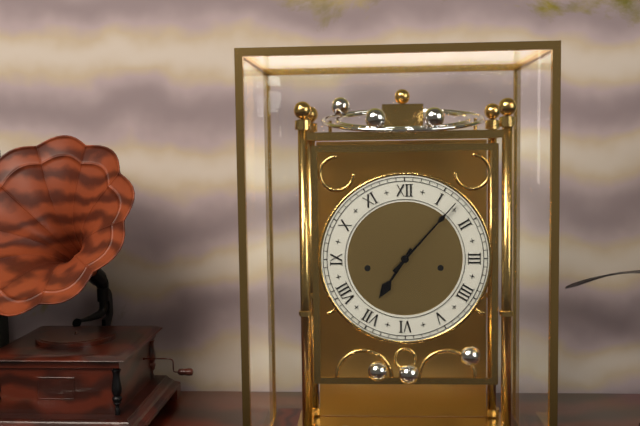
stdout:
h=7 m=7
